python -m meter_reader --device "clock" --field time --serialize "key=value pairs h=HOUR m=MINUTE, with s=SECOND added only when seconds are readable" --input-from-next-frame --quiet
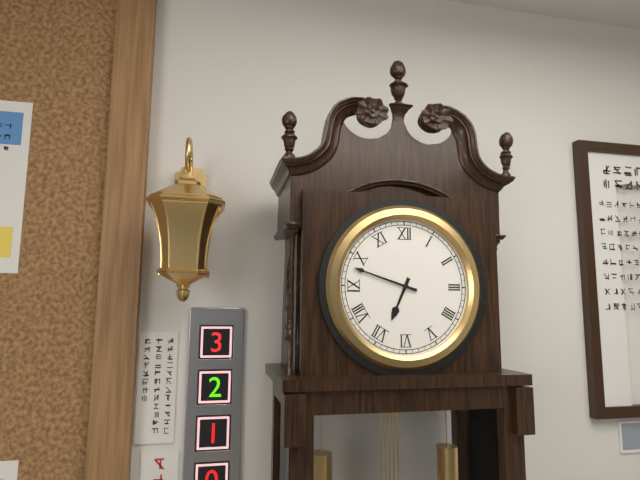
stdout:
h=6 m=48
